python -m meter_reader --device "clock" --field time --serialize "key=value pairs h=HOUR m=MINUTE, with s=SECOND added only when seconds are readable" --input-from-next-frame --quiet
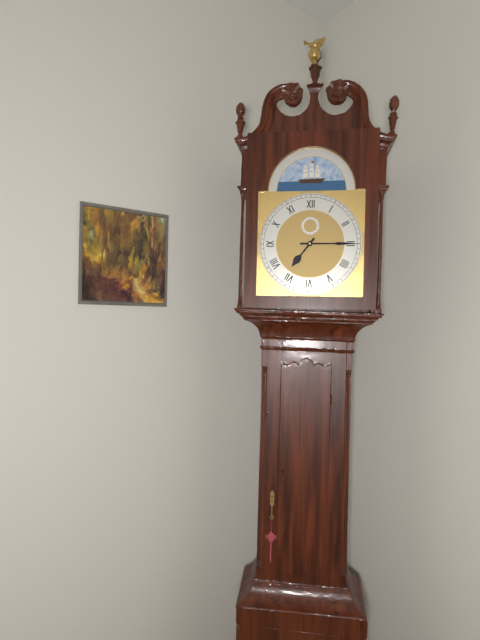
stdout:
h=7 m=15
